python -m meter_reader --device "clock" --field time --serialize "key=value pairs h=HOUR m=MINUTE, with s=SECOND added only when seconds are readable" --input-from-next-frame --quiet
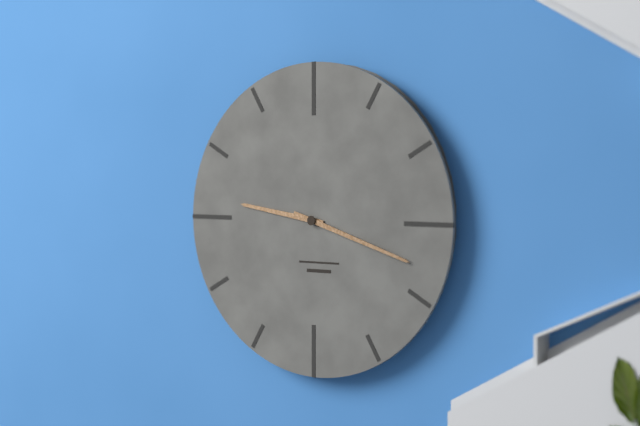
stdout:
h=9 m=18
